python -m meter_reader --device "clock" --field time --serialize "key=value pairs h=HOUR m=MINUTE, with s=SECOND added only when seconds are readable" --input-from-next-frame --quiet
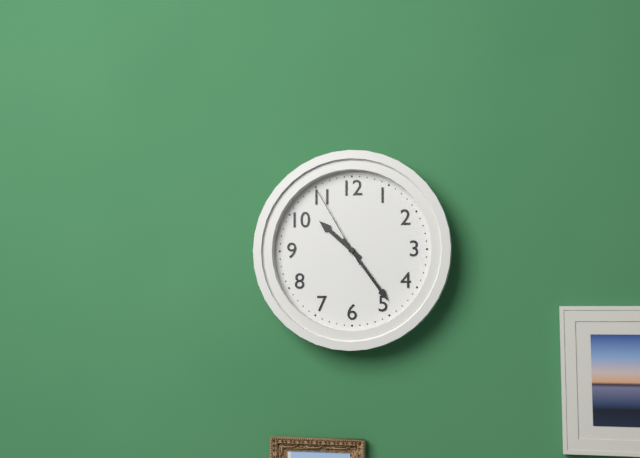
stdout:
h=10 m=24 s=55
